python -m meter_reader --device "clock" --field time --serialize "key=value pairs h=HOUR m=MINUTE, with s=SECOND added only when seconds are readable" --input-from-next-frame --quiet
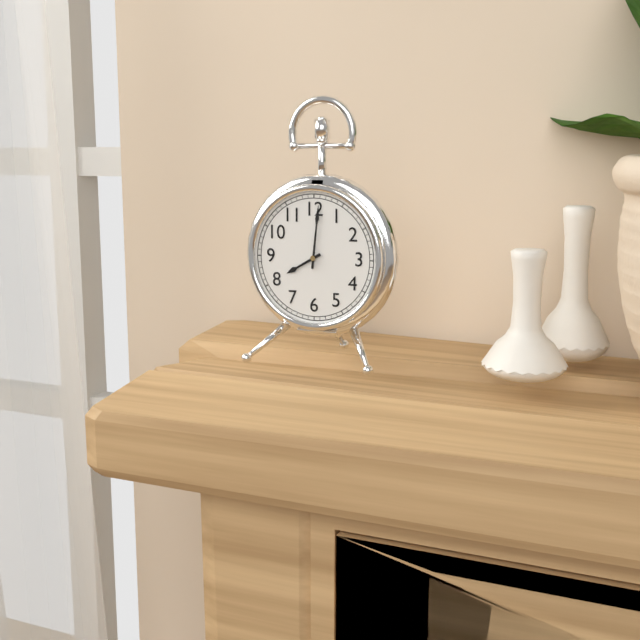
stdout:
h=8 m=1
